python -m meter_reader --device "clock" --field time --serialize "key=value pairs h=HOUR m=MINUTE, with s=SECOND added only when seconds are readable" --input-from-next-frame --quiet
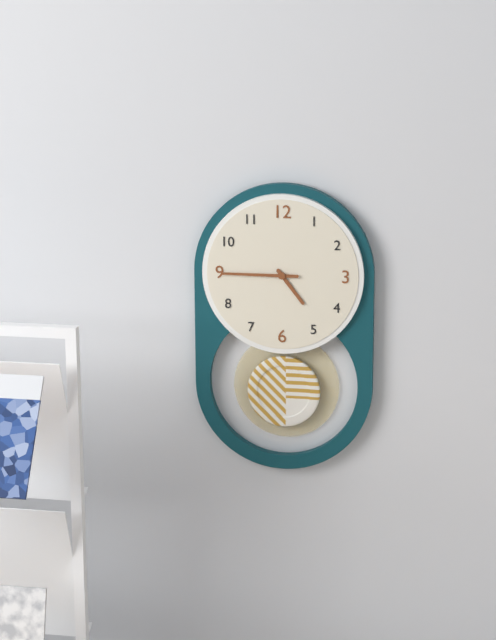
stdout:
h=4 m=45
